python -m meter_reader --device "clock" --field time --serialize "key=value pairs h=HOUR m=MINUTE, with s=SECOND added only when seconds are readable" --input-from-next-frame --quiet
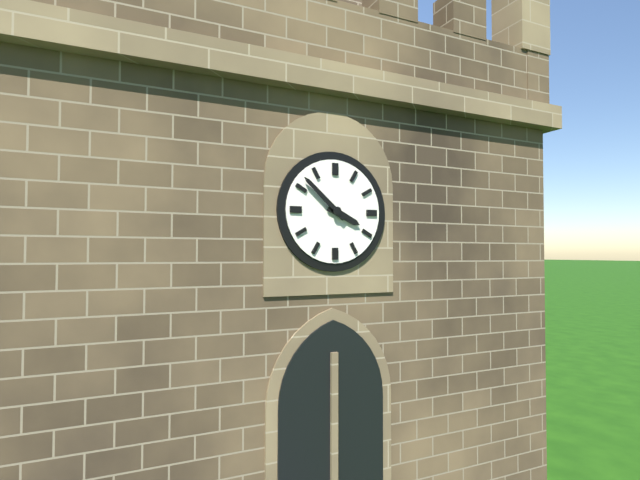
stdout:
h=3 m=52
